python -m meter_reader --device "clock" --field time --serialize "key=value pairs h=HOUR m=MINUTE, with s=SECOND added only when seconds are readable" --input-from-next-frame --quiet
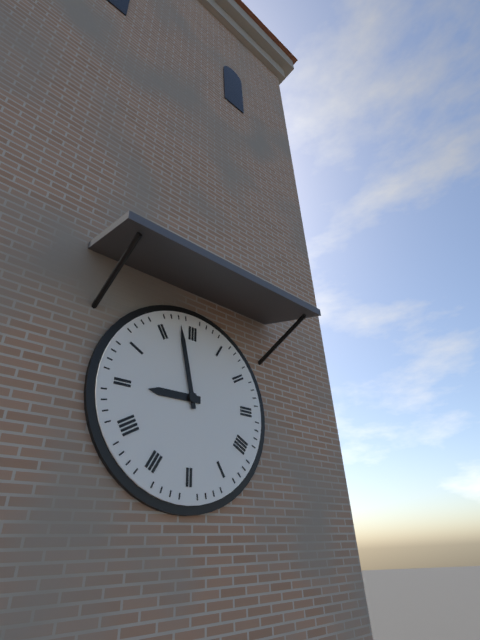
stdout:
h=8 m=58
